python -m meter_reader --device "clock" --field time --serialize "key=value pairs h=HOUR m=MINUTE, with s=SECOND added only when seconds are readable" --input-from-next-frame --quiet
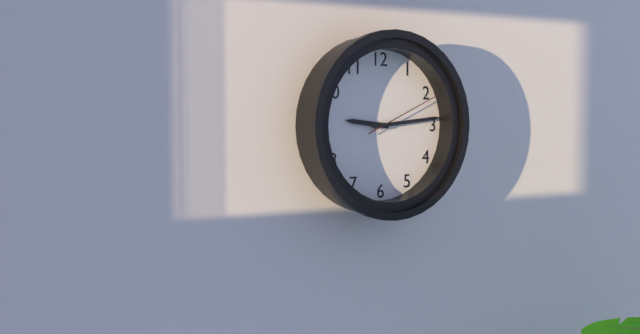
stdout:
h=9 m=14 s=11
